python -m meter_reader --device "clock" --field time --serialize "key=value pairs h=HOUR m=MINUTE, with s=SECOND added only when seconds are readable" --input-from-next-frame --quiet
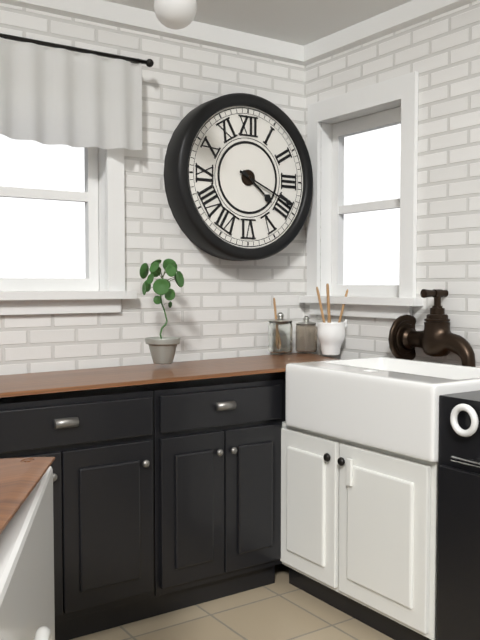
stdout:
h=4 m=19
